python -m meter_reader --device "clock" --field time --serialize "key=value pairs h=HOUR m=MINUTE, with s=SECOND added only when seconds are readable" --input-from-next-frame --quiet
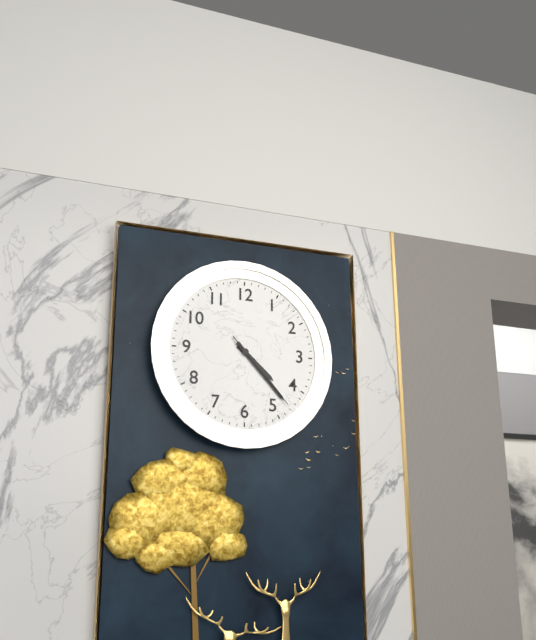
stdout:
h=4 m=23 s=23
